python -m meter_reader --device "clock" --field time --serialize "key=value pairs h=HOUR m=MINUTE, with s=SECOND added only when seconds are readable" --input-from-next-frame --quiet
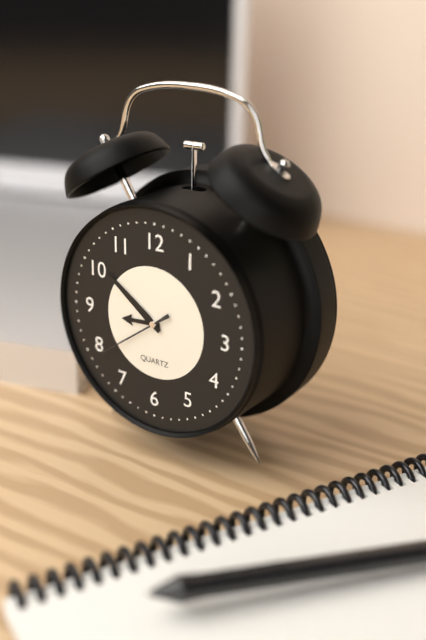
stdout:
h=8 m=51 s=39
